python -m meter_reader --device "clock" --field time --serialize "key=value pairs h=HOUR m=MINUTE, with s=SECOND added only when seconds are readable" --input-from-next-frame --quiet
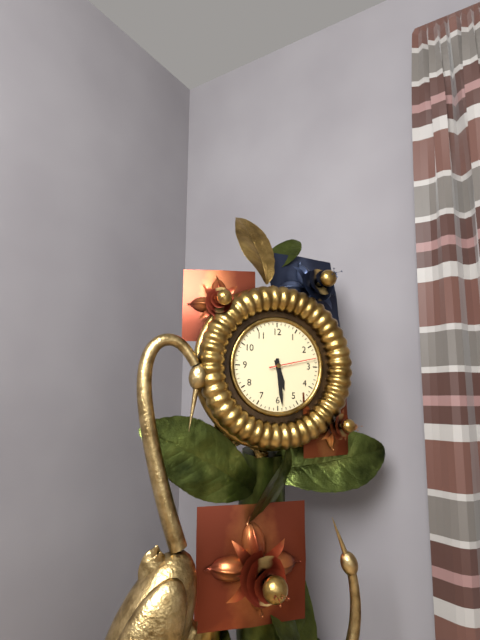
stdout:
h=5 m=29
